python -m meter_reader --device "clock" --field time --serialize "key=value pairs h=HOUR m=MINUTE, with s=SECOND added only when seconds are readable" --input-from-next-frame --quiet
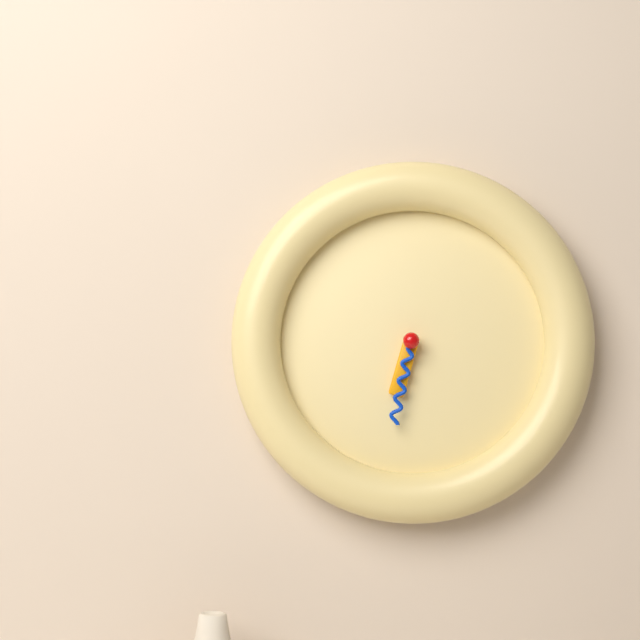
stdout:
h=6 m=32
